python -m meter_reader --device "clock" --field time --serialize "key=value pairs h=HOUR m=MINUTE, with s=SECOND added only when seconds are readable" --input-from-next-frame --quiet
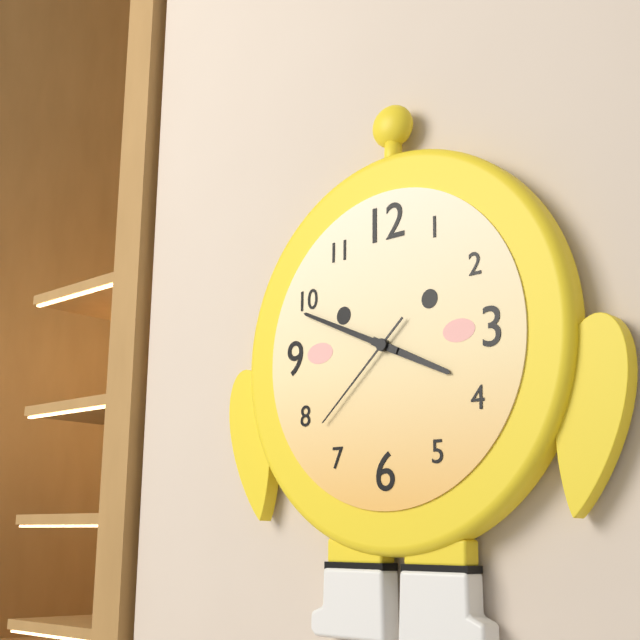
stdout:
h=3 m=49 s=38
